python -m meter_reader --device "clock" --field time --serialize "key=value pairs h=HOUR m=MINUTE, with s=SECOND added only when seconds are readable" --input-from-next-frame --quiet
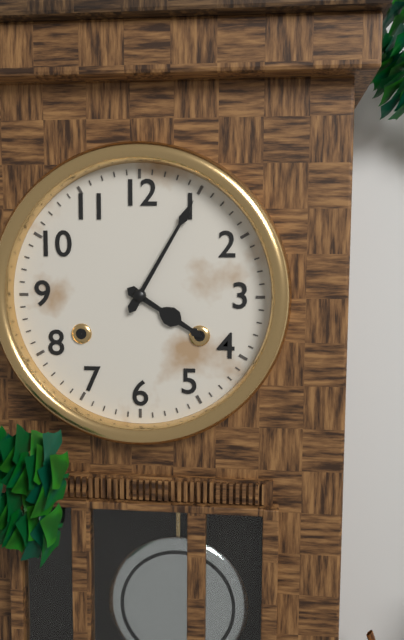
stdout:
h=4 m=5
